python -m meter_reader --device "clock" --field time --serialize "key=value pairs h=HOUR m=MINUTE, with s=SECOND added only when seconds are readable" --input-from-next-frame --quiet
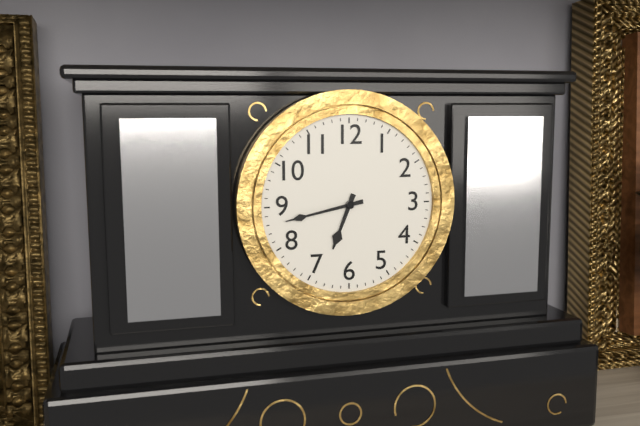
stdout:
h=6 m=43
